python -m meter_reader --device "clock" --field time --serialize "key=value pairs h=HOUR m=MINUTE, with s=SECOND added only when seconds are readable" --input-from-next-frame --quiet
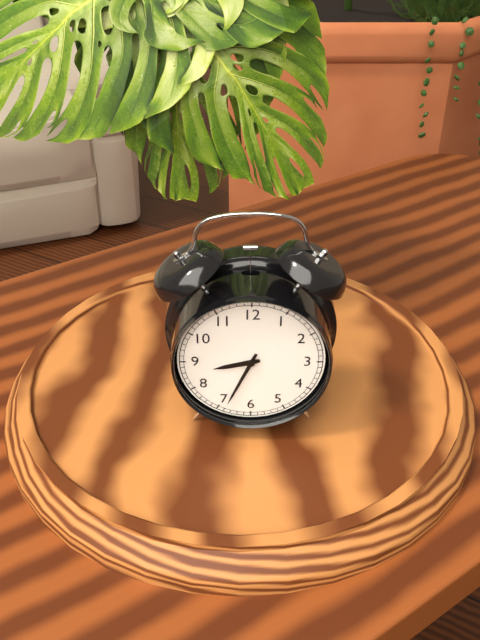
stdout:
h=8 m=34
